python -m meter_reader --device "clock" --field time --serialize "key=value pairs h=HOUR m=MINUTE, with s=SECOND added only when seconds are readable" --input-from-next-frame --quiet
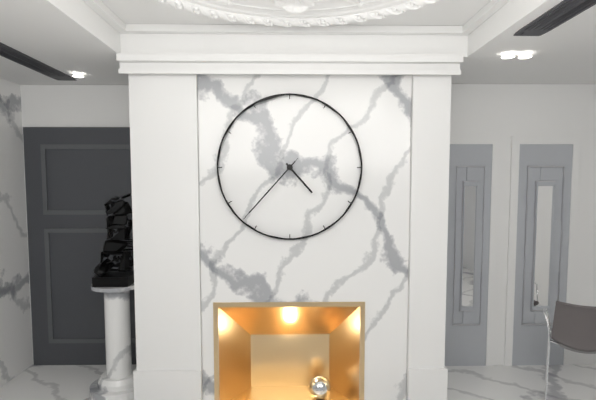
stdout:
h=4 m=37 s=37
